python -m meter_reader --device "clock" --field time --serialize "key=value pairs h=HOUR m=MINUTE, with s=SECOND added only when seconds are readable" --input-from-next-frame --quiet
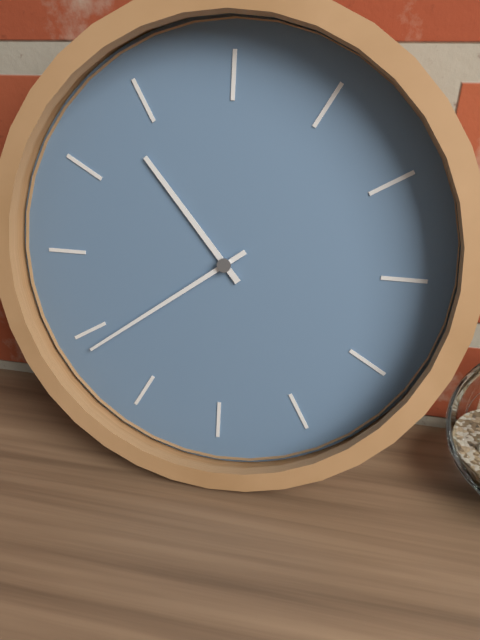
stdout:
h=10 m=39
